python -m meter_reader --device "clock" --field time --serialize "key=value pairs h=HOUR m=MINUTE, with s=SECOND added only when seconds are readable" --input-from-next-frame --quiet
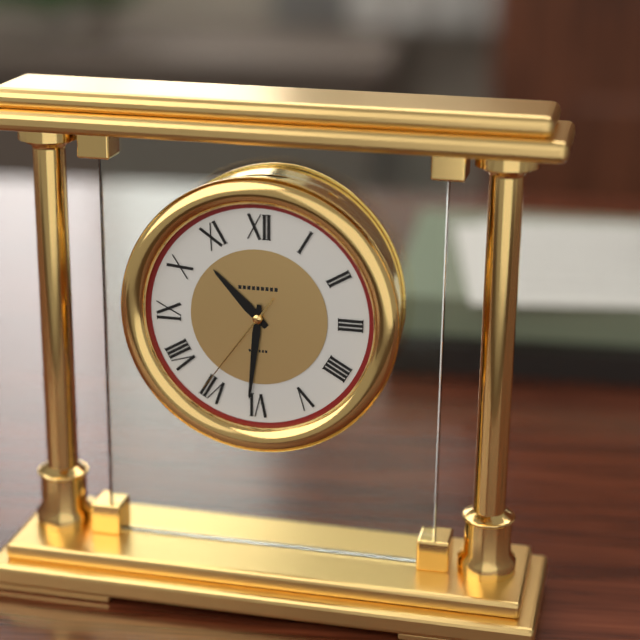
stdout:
h=10 m=31 s=36
